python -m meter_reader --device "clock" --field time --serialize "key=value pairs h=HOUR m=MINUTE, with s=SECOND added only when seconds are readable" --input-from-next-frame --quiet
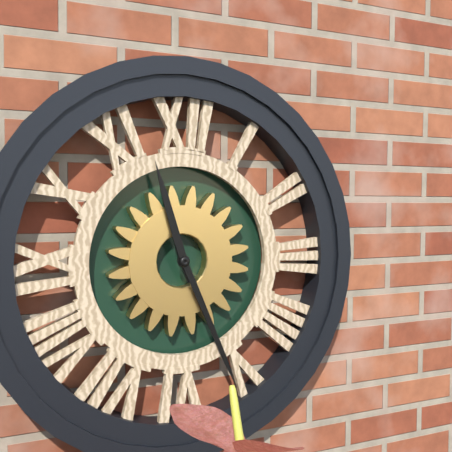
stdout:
h=11 m=26
